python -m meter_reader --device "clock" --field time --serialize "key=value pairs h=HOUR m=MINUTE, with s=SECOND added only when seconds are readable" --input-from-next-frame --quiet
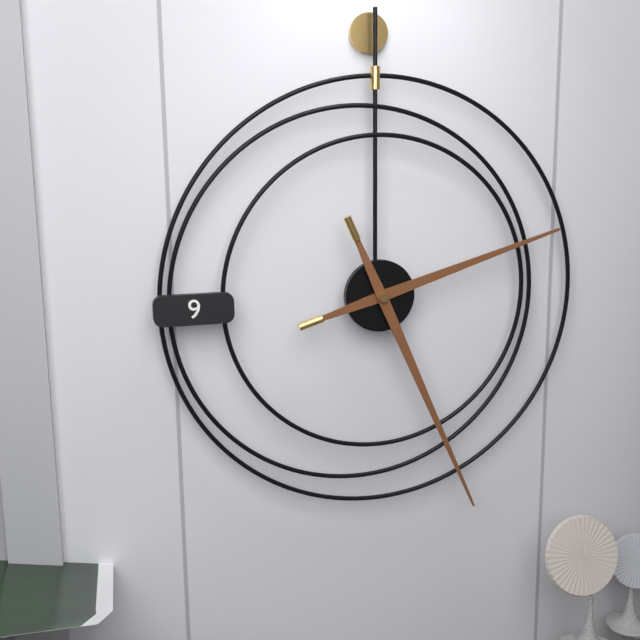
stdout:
h=2 m=26
